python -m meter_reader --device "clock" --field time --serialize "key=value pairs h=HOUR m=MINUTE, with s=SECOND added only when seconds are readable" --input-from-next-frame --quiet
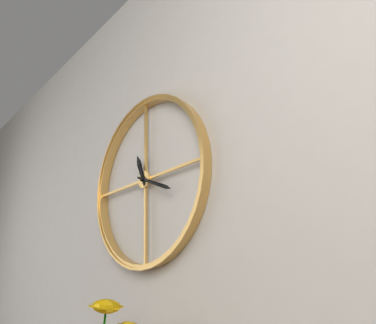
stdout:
h=11 m=19
